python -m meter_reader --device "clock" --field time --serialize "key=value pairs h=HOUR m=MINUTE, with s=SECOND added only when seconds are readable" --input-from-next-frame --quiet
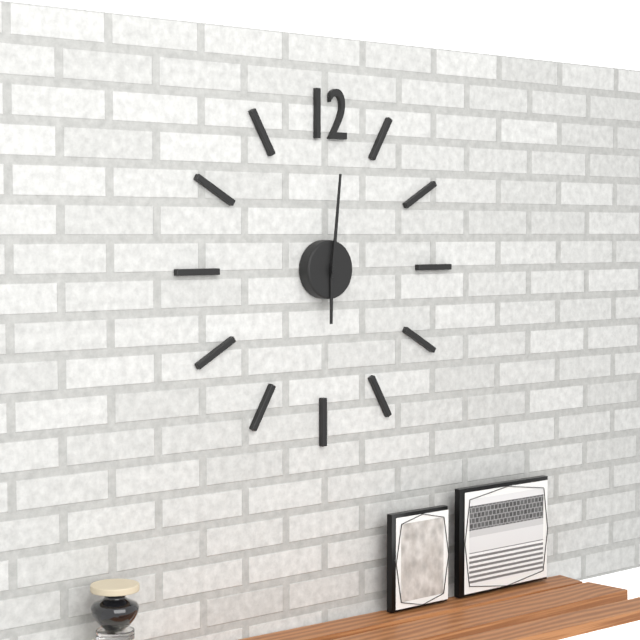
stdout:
h=6 m=1
